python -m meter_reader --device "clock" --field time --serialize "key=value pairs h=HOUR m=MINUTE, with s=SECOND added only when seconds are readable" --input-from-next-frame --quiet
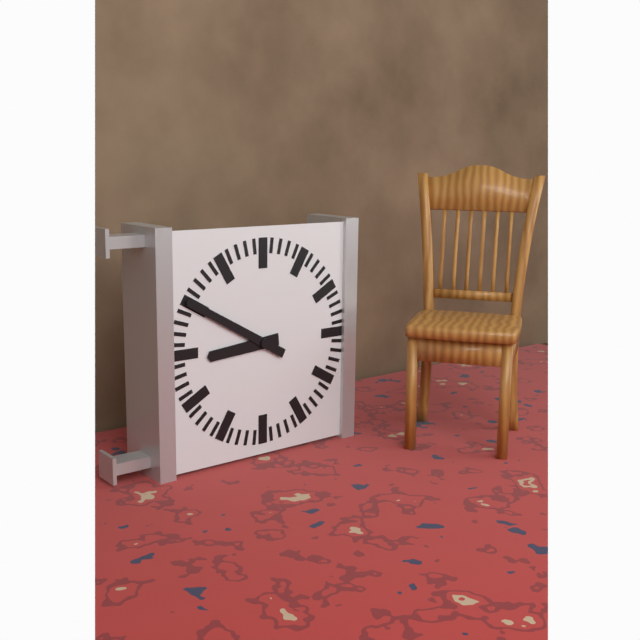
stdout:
h=8 m=50
